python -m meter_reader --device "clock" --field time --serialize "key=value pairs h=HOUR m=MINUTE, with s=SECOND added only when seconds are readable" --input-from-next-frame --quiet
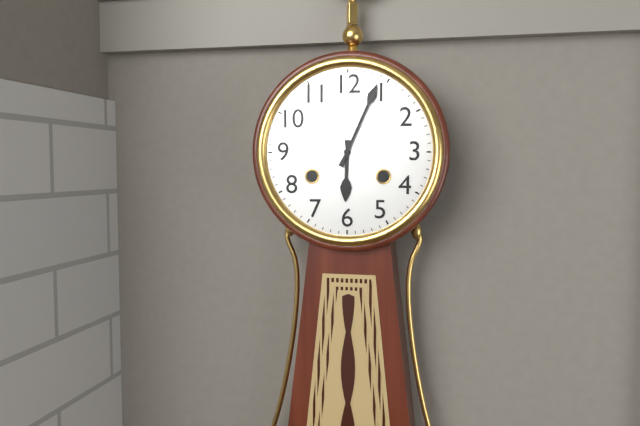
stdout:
h=6 m=4
